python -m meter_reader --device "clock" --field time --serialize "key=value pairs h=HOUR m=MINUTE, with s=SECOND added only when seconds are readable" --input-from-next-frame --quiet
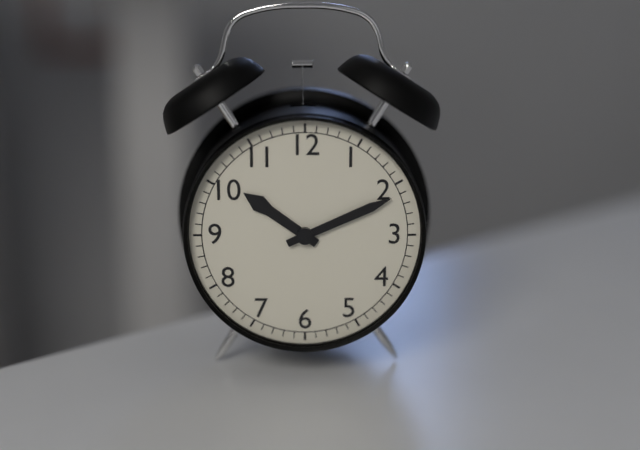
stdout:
h=10 m=11
